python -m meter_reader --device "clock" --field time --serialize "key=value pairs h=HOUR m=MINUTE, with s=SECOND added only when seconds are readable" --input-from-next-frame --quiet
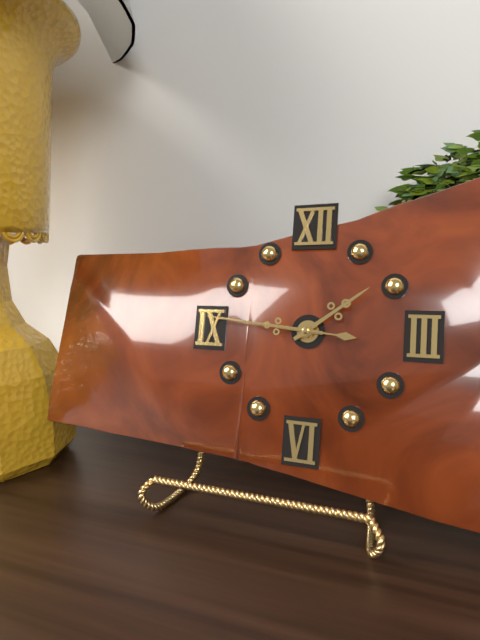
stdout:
h=1 m=46 s=46
